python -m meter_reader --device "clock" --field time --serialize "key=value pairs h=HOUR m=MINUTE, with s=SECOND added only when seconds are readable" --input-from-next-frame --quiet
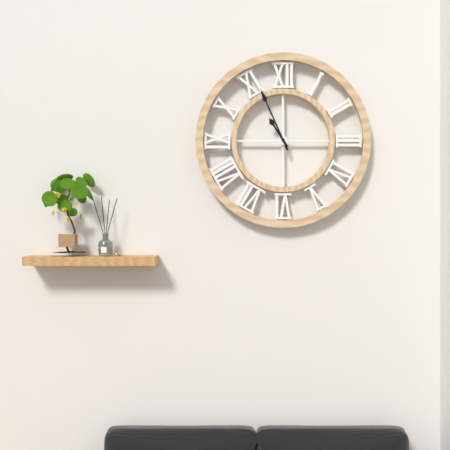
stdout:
h=10 m=56
